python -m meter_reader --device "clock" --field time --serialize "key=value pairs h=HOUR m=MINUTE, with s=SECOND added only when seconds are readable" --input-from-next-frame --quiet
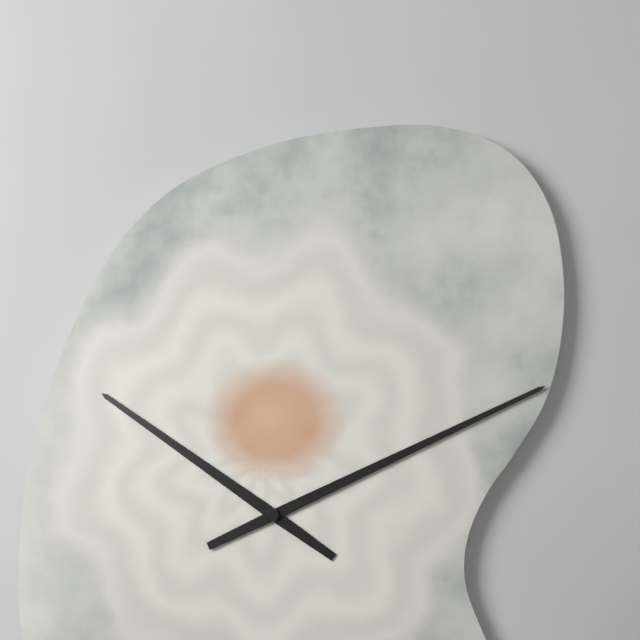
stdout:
h=10 m=11
